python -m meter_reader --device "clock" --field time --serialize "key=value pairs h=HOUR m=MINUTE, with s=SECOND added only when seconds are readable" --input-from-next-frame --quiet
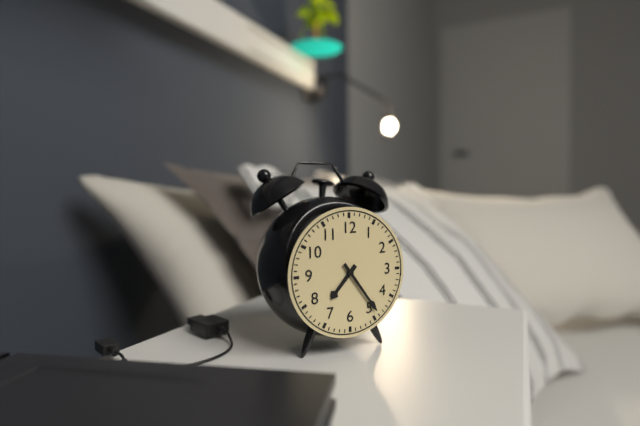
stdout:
h=7 m=24
